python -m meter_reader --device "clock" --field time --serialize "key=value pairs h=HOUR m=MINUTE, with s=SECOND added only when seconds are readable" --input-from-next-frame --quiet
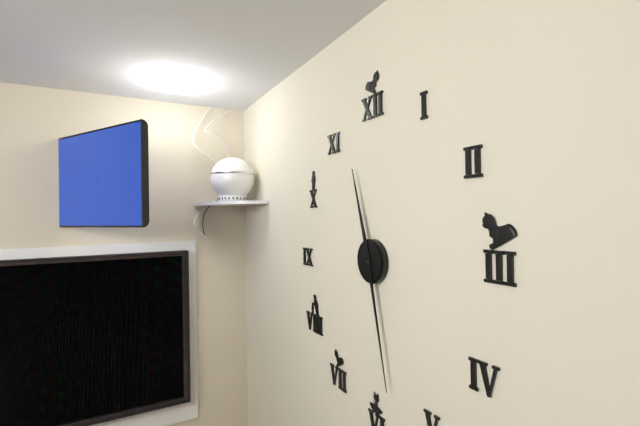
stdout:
h=11 m=28
